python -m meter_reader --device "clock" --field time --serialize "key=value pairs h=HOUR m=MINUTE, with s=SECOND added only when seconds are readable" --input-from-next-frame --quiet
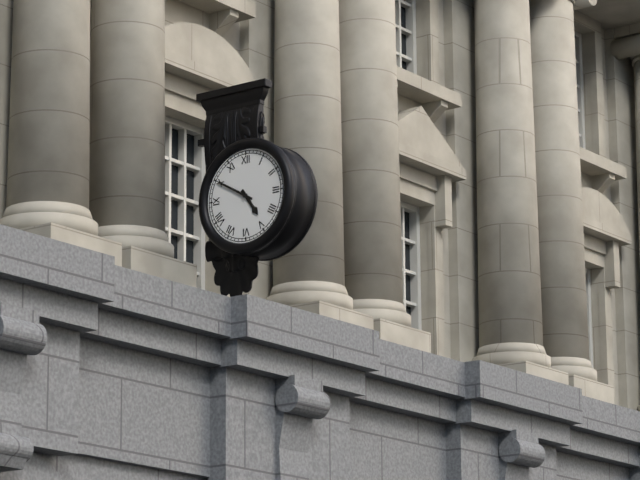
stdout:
h=4 m=50
